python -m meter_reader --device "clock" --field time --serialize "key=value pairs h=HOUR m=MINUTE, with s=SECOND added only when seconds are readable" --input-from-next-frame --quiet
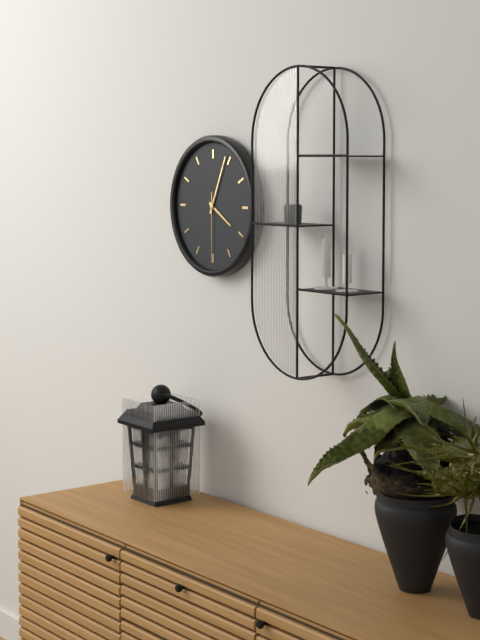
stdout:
h=4 m=4 s=30
